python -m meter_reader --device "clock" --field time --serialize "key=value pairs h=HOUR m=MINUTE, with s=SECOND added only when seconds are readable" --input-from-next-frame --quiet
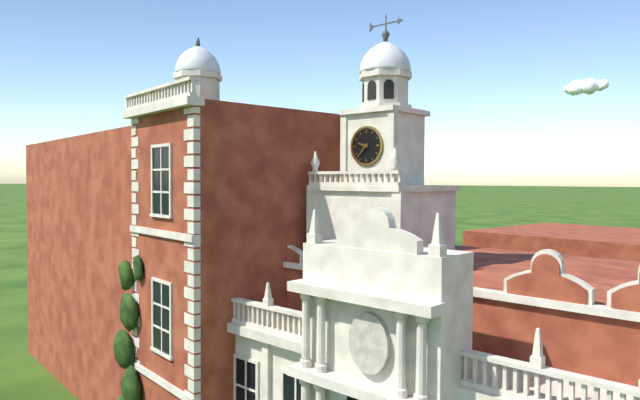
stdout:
h=9 m=37
